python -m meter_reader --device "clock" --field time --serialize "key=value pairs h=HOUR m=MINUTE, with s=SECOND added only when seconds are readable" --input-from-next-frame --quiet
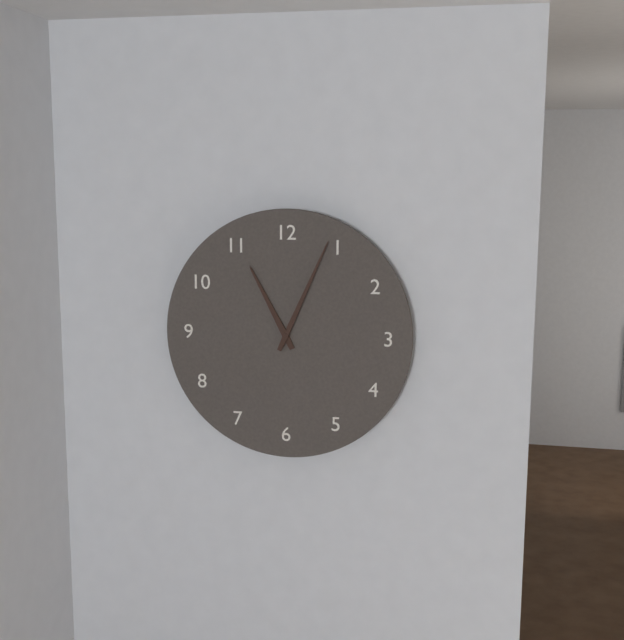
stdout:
h=11 m=4
